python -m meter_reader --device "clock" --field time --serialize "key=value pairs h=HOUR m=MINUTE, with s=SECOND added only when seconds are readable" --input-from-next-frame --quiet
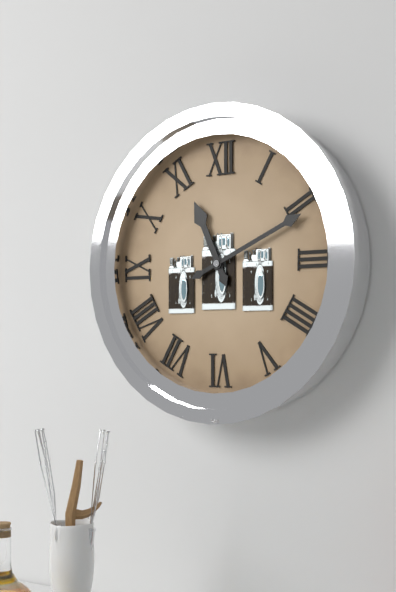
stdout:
h=11 m=11
